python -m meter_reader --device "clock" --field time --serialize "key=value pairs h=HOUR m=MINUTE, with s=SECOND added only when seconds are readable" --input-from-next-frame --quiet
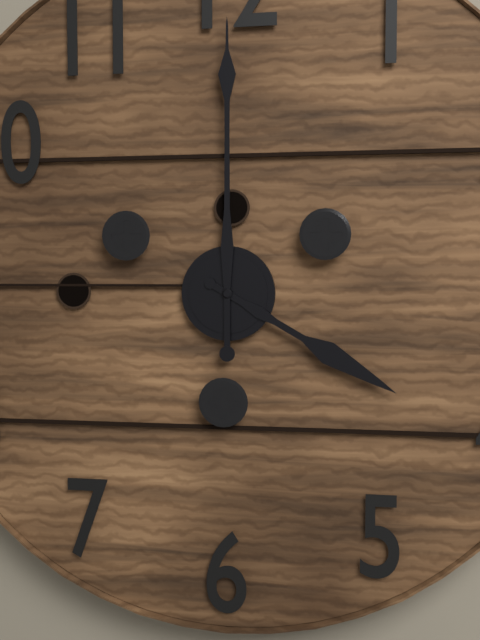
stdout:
h=4 m=0
